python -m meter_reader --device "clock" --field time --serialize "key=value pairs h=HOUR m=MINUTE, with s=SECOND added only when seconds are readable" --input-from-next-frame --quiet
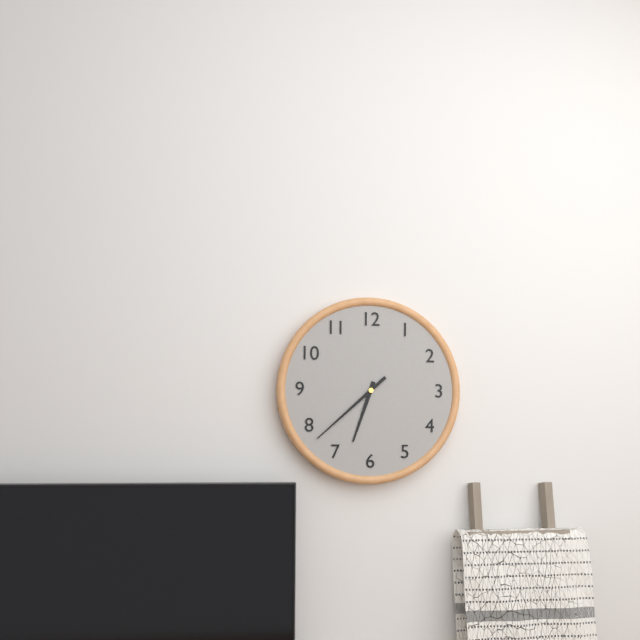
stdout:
h=6 m=38
